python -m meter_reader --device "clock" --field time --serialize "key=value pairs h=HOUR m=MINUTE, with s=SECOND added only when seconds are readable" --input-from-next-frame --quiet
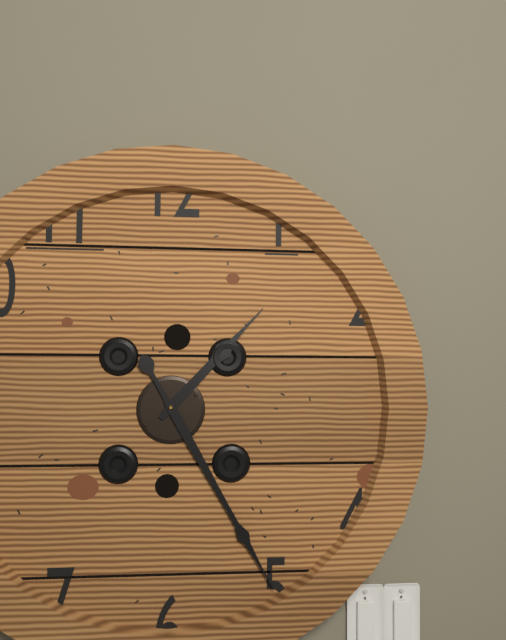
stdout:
h=1 m=25
